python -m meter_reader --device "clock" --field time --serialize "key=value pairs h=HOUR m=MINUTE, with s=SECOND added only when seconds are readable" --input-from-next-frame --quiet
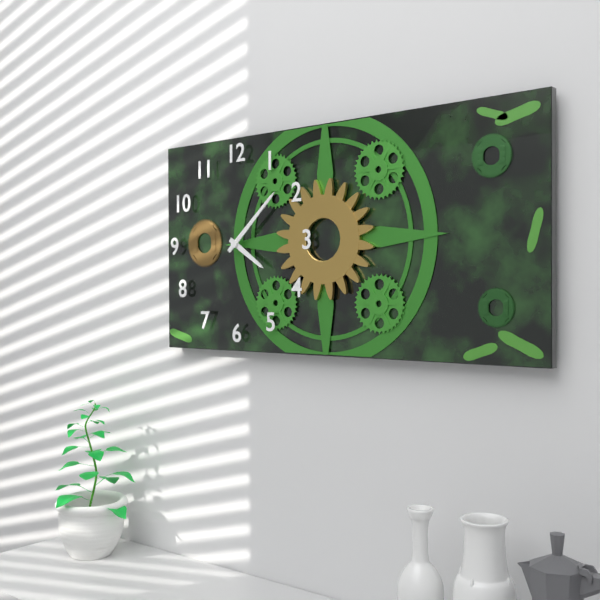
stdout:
h=4 m=8
